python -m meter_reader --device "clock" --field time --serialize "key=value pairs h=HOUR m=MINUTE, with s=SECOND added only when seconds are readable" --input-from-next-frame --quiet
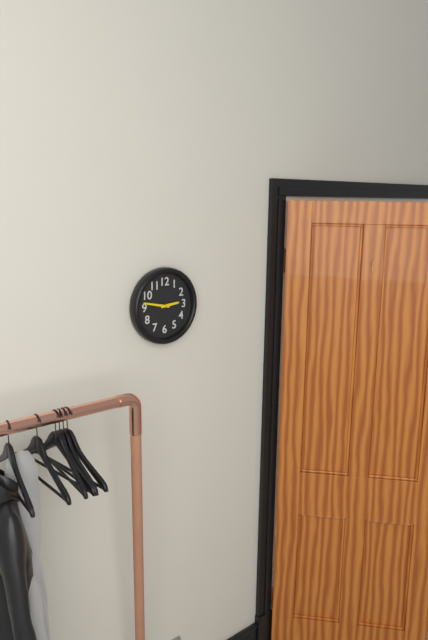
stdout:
h=2 m=47
